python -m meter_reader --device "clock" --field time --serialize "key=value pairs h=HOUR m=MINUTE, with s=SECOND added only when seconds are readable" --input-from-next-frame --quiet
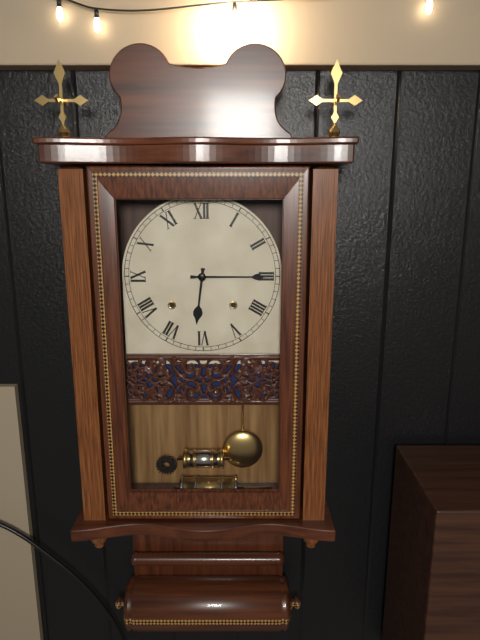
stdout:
h=6 m=15
